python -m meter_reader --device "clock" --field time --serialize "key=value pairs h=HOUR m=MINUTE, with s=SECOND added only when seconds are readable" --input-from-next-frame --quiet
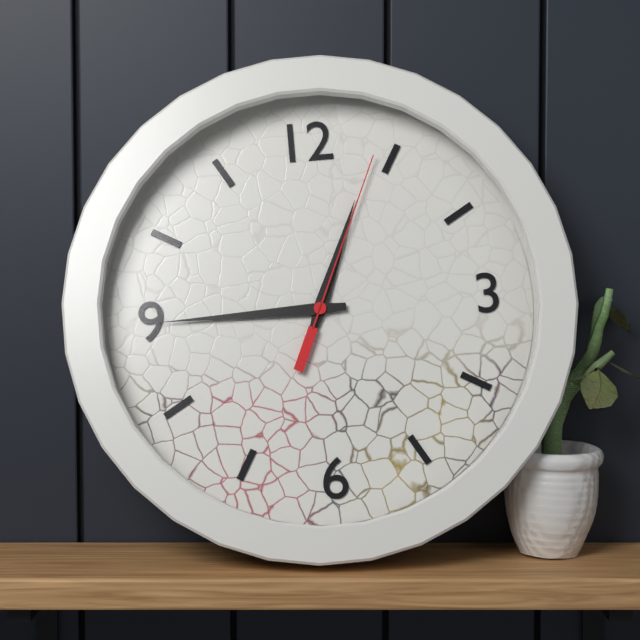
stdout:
h=12 m=45 s=4
